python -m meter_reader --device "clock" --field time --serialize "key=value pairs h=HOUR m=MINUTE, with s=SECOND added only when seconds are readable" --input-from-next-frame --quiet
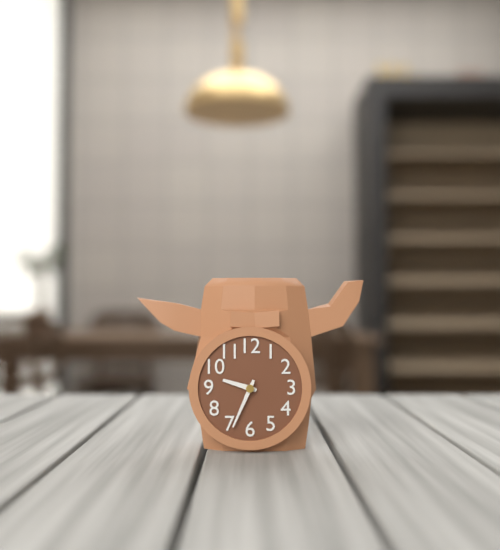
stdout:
h=9 m=34
